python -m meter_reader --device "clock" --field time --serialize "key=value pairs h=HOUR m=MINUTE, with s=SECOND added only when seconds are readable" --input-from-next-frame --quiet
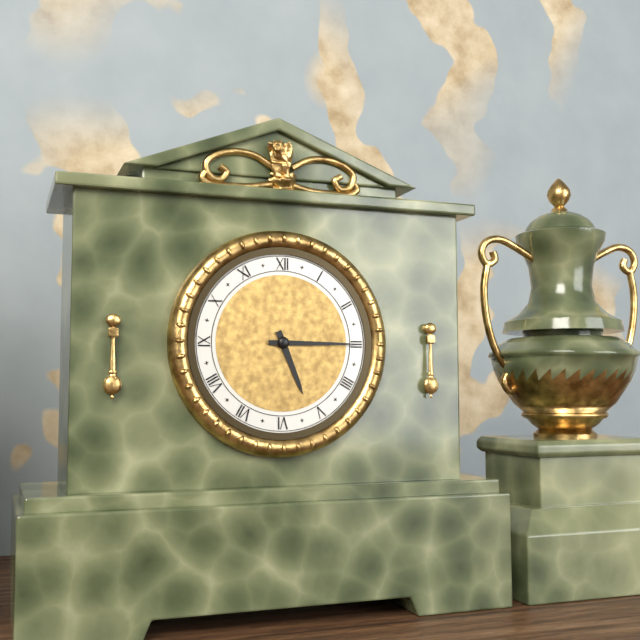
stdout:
h=5 m=15
